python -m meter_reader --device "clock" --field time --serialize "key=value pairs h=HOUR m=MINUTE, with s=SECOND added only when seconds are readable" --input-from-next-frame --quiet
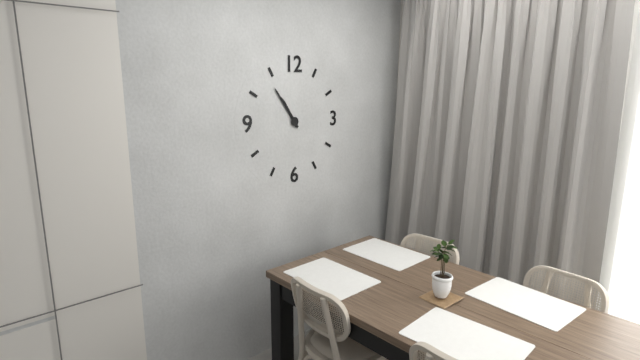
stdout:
h=10 m=54
